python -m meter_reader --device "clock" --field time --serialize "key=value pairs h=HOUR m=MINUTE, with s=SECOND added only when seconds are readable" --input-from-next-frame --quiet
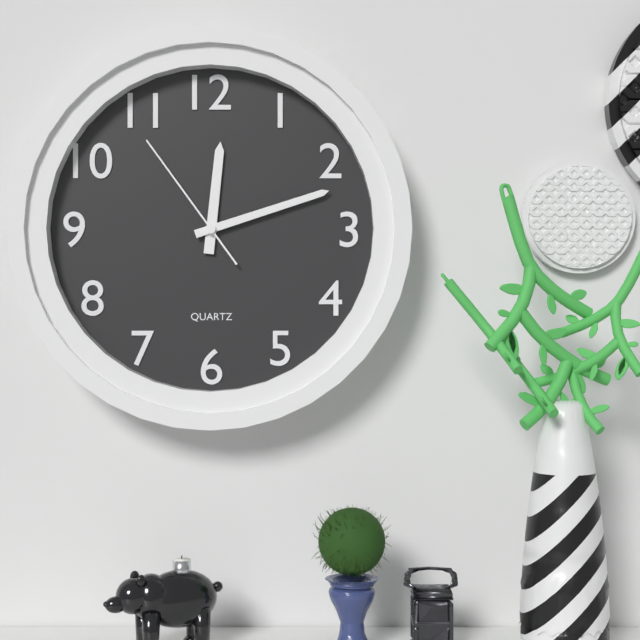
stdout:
h=12 m=12 s=54
